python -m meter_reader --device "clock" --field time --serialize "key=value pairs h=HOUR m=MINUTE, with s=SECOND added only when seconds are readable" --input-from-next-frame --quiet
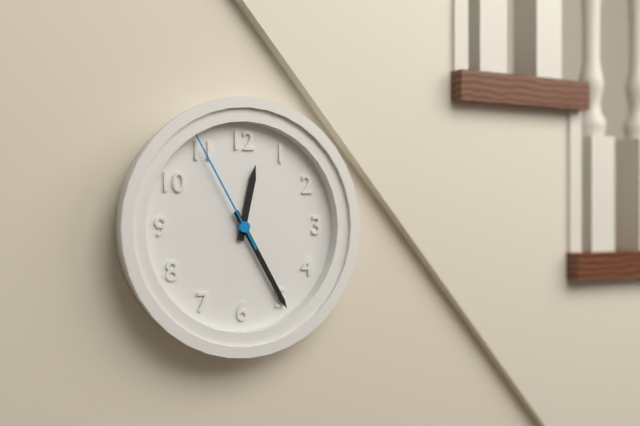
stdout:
h=12 m=25 s=55
